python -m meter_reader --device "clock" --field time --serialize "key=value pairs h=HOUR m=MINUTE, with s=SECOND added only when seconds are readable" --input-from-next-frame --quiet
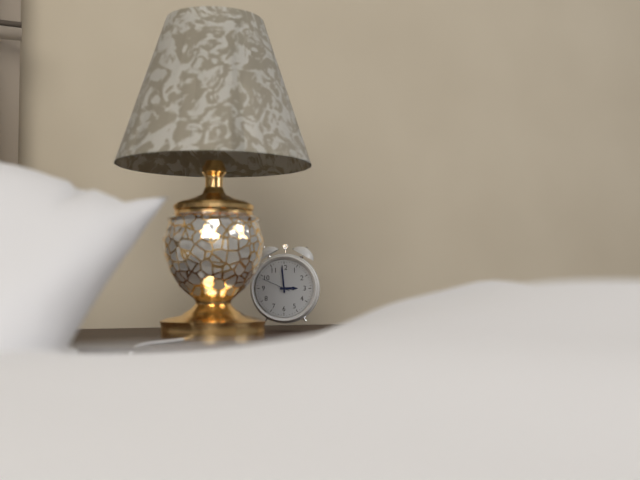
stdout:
h=2 m=59
